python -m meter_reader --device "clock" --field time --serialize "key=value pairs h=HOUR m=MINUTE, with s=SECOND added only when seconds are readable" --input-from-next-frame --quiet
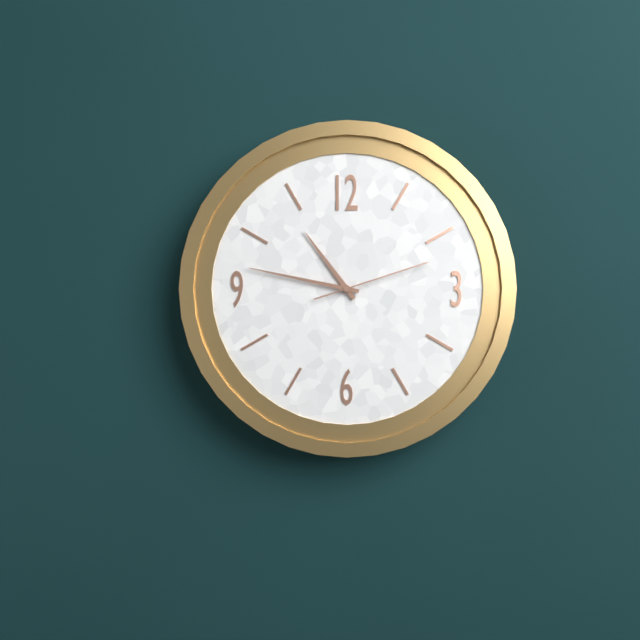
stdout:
h=10 m=47 s=12
